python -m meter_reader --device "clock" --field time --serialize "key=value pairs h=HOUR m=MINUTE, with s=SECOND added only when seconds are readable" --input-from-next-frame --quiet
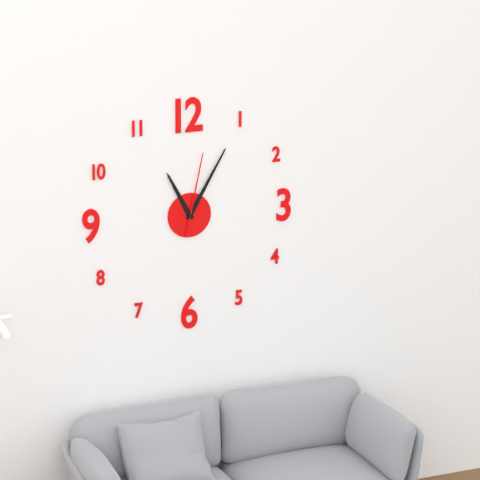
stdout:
h=11 m=5 s=2
